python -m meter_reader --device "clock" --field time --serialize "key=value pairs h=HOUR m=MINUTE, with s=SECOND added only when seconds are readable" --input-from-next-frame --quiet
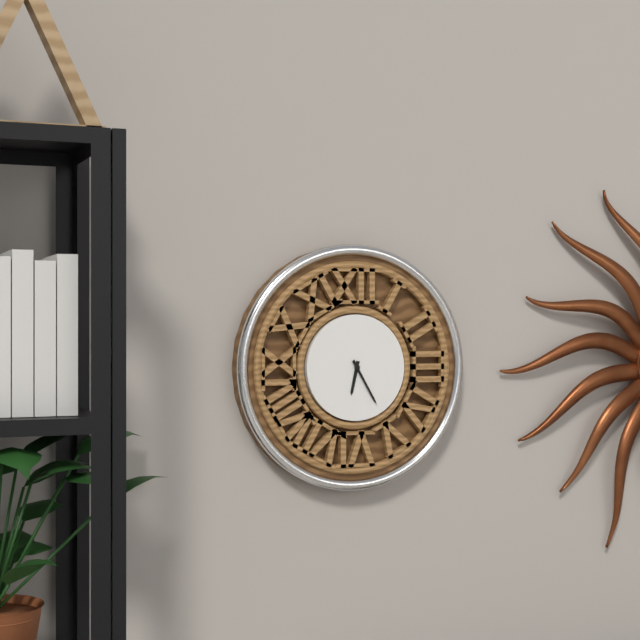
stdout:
h=6 m=25
